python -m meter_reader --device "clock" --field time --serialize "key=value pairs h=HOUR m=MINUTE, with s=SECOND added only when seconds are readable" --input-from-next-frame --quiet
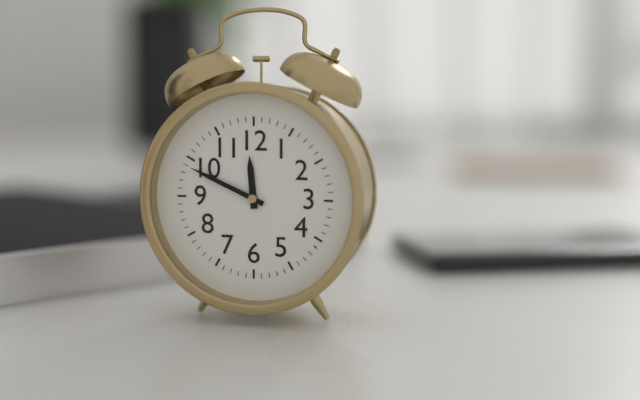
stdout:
h=11 m=49
